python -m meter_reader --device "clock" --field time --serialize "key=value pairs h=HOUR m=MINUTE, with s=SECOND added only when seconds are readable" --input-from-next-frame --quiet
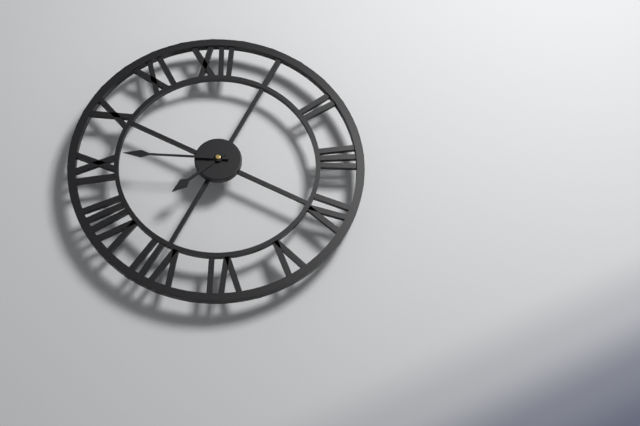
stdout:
h=7 m=46
